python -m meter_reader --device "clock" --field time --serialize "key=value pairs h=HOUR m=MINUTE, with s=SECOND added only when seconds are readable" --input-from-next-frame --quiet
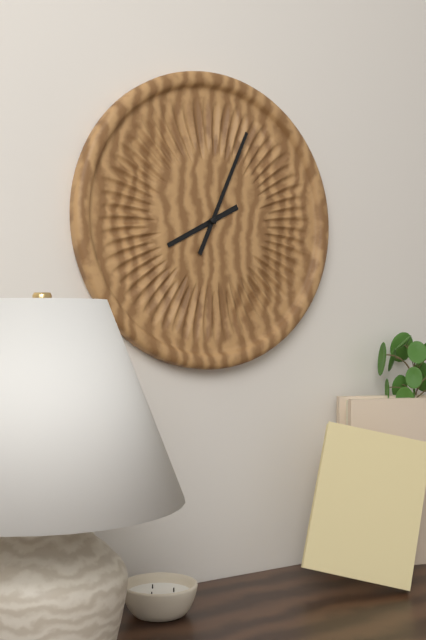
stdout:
h=8 m=4
